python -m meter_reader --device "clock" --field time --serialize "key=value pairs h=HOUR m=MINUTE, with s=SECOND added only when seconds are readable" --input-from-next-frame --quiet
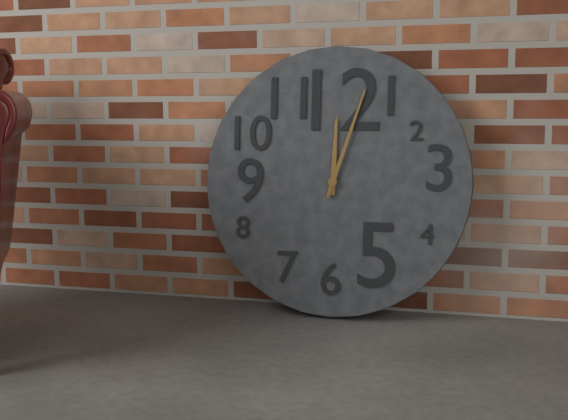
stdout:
h=12 m=3
